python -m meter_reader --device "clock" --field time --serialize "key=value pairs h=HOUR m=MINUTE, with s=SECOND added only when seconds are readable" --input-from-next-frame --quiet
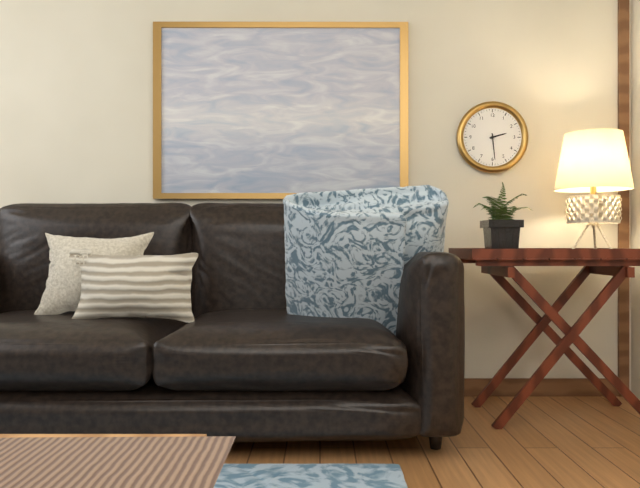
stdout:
h=2 m=29
